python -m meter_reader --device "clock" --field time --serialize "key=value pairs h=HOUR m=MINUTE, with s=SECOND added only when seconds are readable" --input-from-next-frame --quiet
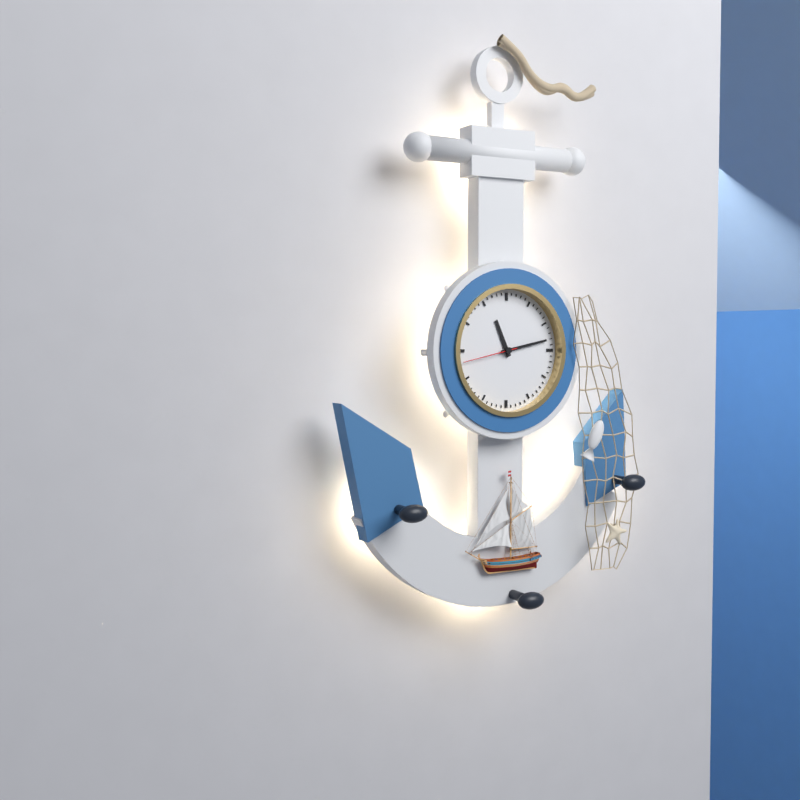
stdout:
h=11 m=13 s=43
